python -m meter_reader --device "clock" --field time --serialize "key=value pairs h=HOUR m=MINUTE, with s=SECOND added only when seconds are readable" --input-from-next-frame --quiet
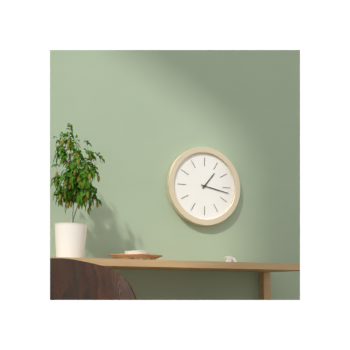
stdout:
h=1 m=17
